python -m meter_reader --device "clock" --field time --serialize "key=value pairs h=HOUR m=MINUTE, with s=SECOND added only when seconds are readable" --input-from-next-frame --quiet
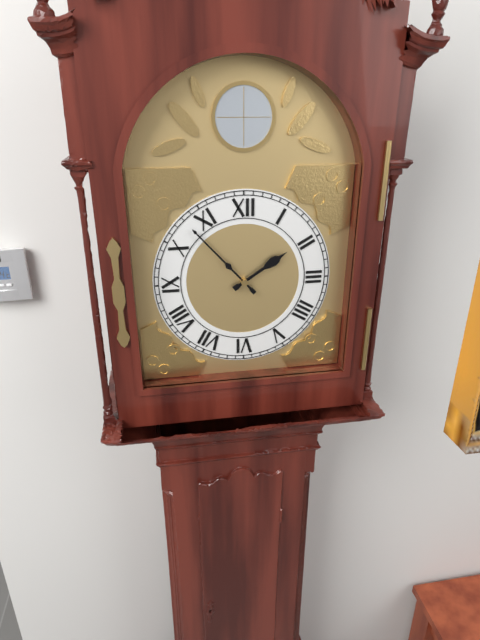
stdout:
h=1 m=53
